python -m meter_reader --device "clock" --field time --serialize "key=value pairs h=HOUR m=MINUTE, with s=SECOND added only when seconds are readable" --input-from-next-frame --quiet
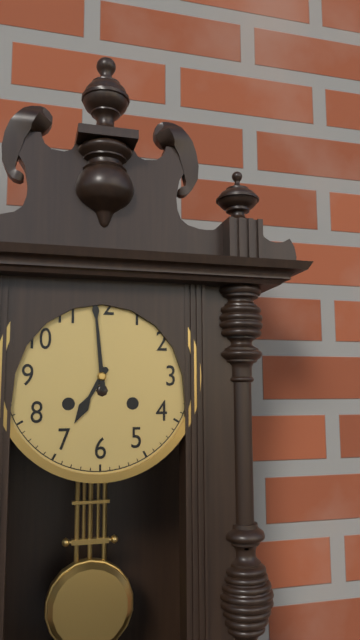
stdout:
h=6 m=59
